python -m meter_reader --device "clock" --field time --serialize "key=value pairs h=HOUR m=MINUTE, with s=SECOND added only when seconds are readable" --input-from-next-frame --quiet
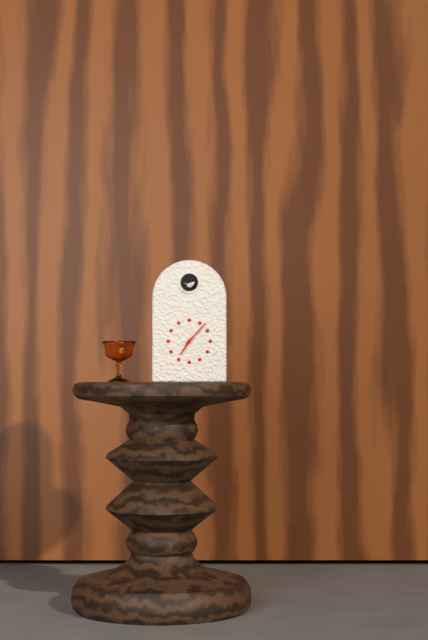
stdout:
h=7 m=7
